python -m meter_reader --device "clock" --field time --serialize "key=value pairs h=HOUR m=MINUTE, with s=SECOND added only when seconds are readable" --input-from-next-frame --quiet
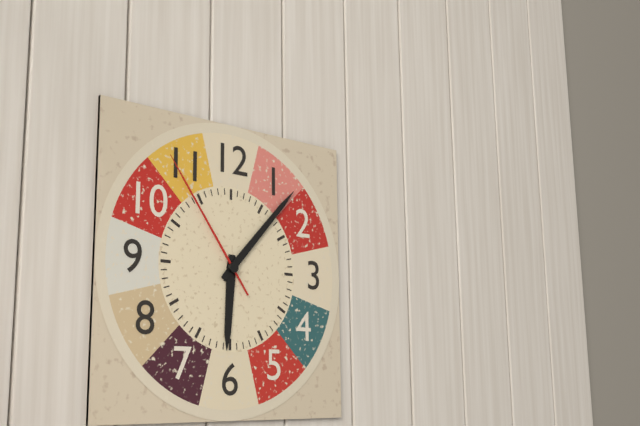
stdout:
h=6 m=7 s=54
